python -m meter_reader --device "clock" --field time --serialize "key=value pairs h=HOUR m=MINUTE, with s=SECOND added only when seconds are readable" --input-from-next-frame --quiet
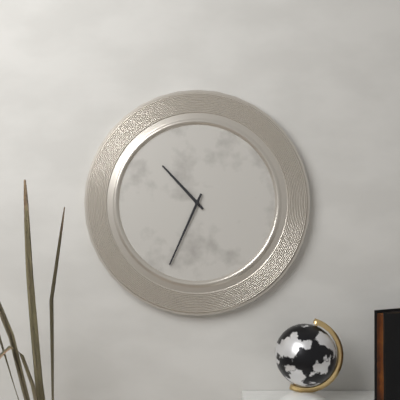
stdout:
h=10 m=34
